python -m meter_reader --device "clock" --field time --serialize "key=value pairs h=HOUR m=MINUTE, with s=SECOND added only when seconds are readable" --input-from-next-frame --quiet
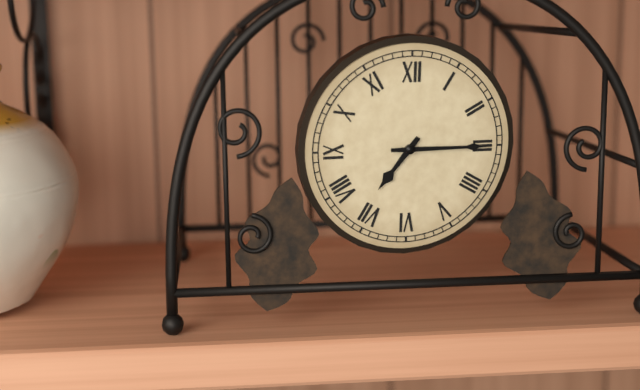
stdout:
h=7 m=15
